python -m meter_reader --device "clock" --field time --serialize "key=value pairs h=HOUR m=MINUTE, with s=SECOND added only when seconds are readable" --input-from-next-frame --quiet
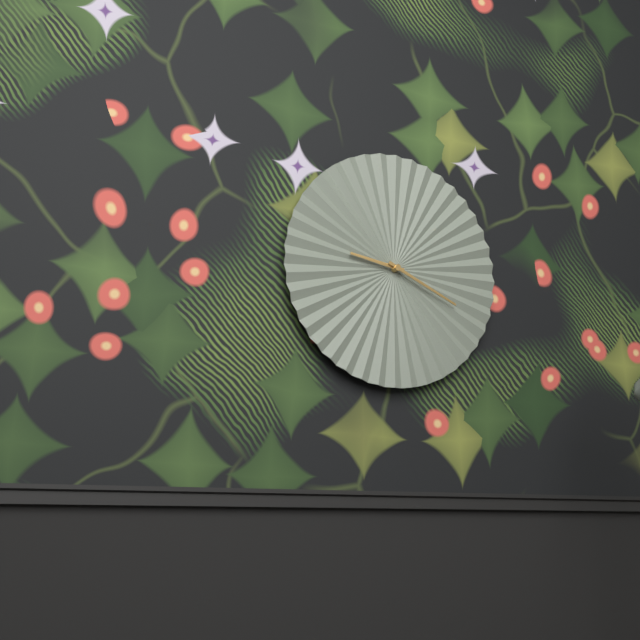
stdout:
h=9 m=19
